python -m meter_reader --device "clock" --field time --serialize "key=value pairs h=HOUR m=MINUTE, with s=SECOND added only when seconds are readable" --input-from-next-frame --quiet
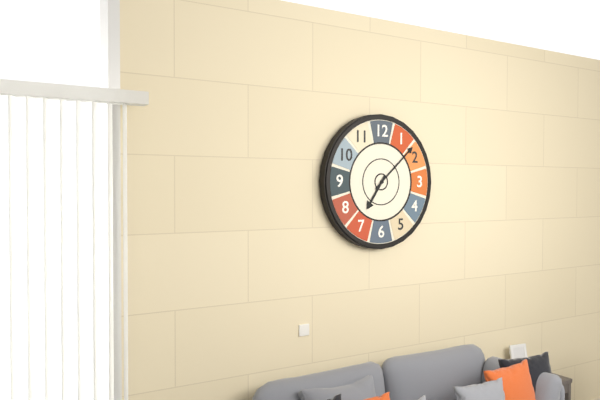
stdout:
h=7 m=8
